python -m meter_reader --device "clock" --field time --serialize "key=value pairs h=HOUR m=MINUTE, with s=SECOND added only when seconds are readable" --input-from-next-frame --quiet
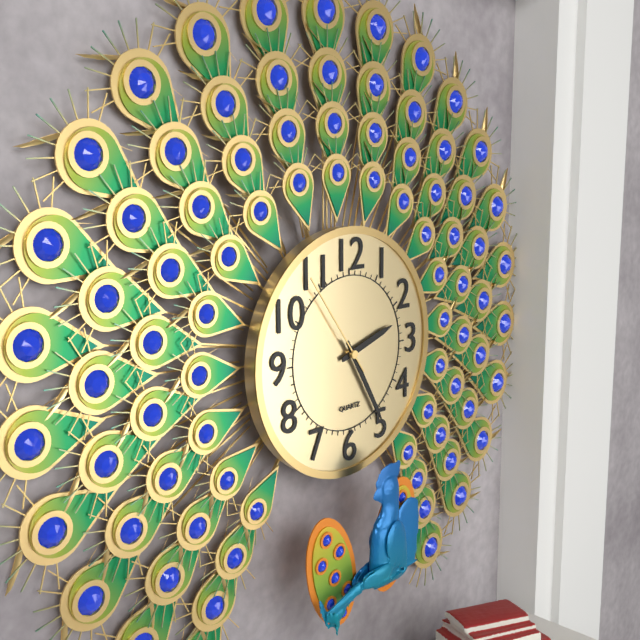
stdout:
h=2 m=25 s=54
